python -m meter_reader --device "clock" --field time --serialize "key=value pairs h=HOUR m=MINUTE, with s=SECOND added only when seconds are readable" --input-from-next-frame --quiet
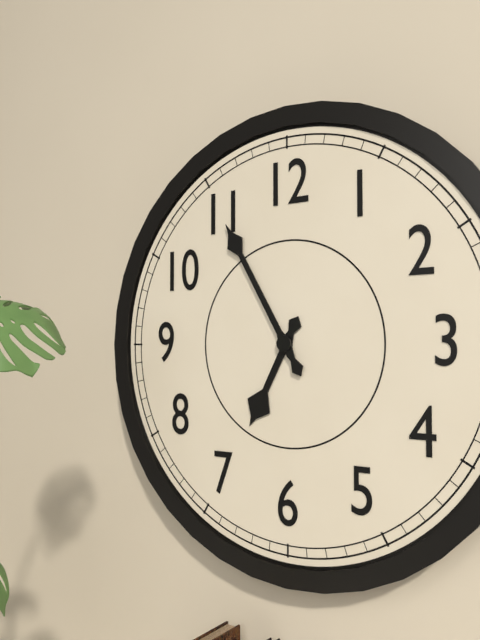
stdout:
h=6 m=55
